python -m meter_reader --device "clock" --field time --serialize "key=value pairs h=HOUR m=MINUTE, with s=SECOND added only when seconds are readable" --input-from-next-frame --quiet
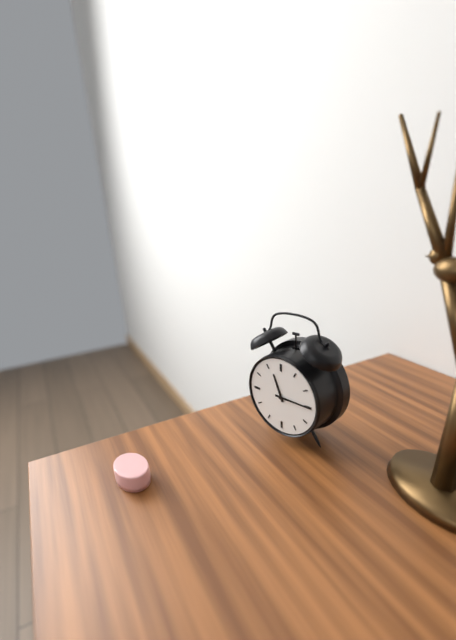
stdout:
h=11 m=15
